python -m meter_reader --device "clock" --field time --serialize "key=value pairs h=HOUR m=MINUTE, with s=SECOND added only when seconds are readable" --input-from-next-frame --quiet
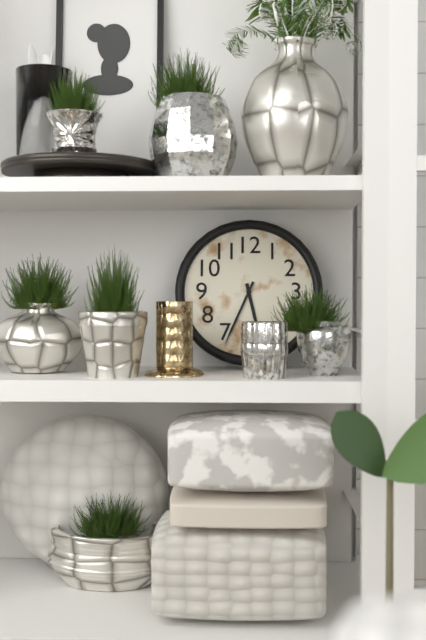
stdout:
h=5 m=34
